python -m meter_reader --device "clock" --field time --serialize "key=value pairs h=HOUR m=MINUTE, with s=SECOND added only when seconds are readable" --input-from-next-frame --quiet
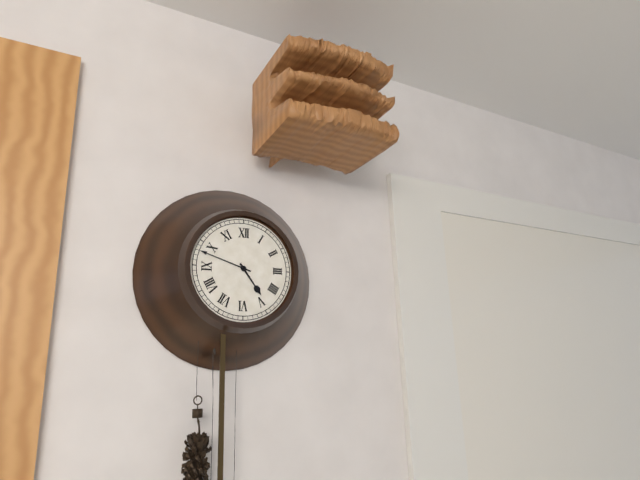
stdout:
h=4 m=48
